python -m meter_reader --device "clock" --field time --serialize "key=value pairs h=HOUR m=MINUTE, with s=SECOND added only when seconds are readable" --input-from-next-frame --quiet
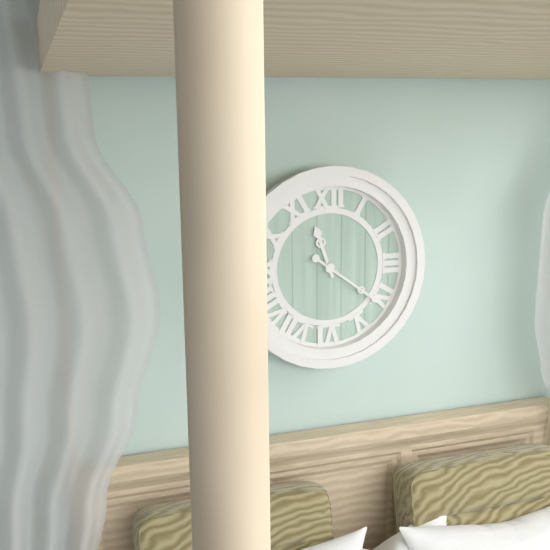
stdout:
h=11 m=21
